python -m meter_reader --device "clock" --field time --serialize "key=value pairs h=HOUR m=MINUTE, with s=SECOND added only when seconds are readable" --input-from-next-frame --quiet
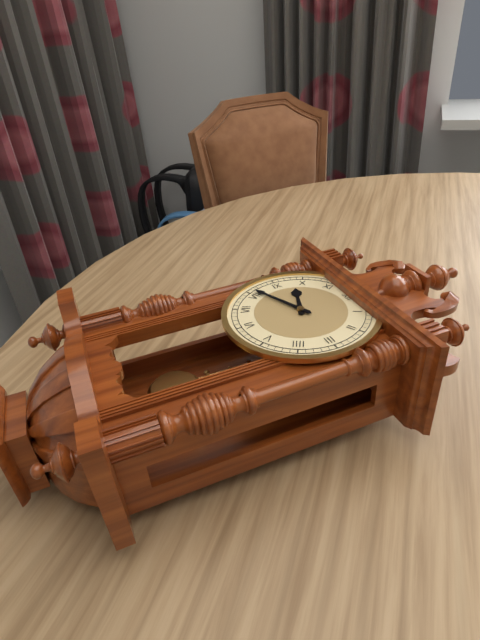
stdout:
h=9 m=41
